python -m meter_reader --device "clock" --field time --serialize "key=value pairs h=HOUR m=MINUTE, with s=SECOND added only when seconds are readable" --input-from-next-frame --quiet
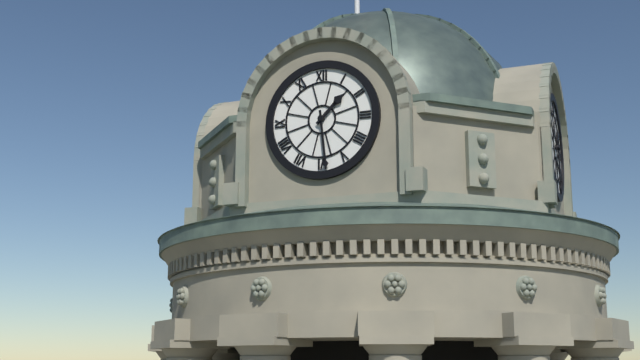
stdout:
h=1 m=29
